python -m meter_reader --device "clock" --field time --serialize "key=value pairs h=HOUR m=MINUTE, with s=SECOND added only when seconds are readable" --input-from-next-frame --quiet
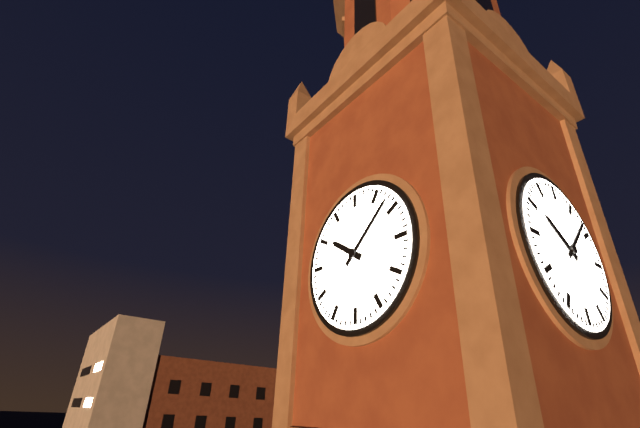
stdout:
h=10 m=8
